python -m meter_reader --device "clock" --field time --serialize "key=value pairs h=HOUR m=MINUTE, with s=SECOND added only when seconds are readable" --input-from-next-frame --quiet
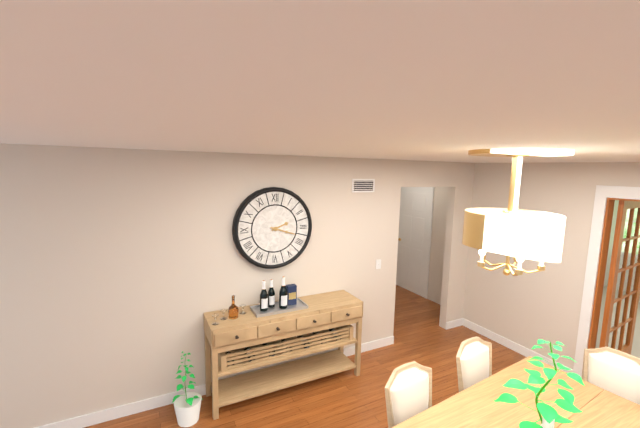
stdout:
h=2 m=18
